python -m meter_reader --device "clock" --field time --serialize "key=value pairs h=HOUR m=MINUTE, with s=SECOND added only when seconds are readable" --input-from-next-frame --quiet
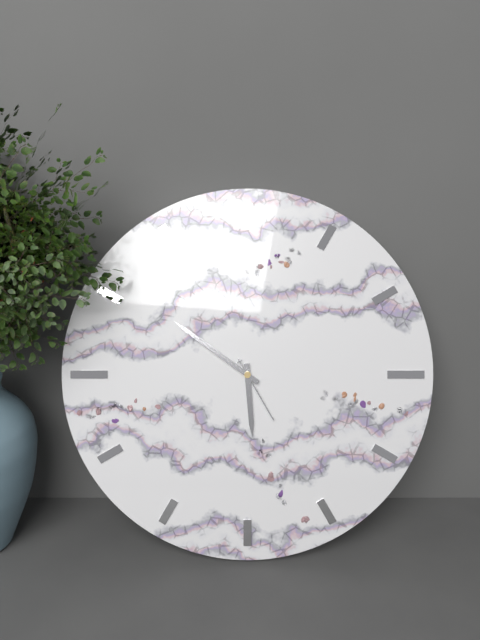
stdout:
h=5 m=51 s=25
